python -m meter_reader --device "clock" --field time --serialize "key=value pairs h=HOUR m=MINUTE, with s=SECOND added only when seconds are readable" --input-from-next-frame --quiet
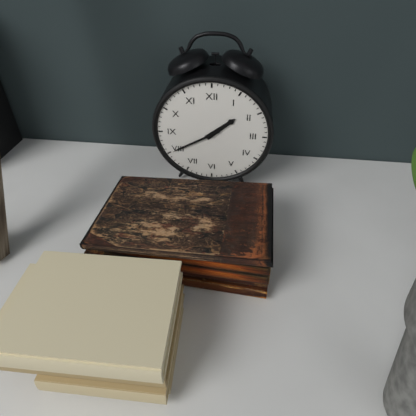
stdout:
h=1 m=40
